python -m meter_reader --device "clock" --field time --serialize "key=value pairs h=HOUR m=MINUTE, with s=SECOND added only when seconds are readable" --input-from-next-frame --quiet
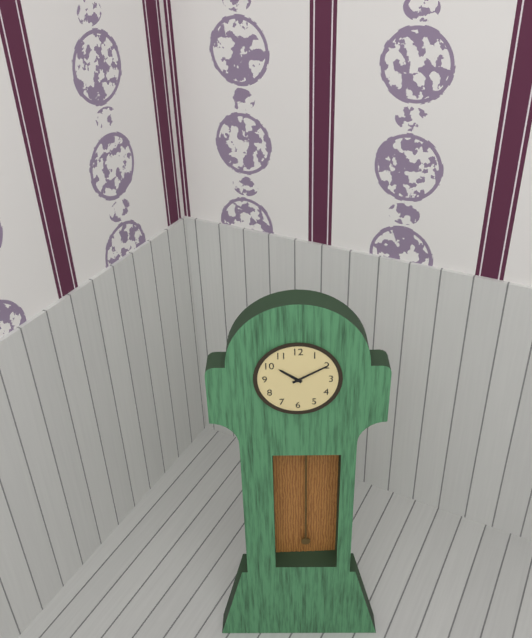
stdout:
h=10 m=10
